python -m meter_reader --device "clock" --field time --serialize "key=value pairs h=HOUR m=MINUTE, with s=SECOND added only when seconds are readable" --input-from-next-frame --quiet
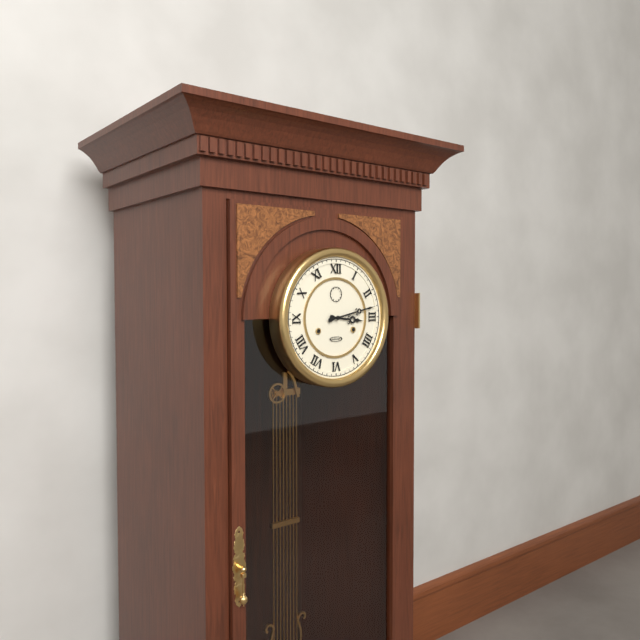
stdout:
h=3 m=13
